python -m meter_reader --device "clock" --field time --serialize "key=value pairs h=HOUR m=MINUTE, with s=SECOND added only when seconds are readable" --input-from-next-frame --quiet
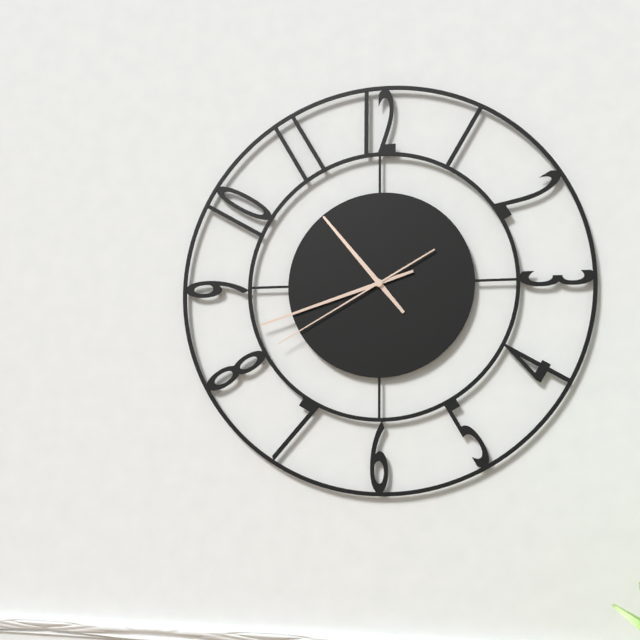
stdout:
h=10 m=42 s=40
